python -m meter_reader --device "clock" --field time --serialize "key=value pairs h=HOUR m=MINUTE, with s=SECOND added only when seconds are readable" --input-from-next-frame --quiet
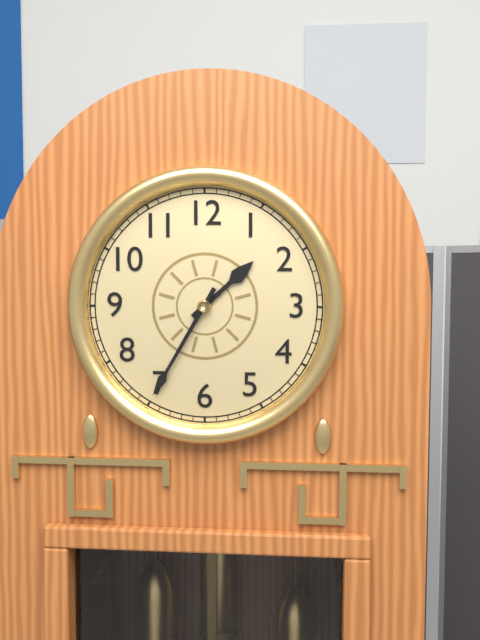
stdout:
h=1 m=35
